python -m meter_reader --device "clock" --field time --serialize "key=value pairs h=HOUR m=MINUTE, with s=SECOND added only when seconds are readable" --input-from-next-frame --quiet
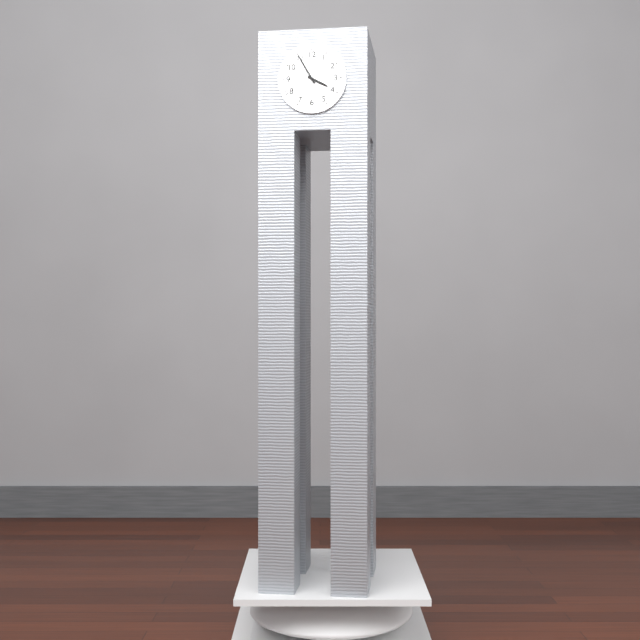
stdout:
h=3 m=55
